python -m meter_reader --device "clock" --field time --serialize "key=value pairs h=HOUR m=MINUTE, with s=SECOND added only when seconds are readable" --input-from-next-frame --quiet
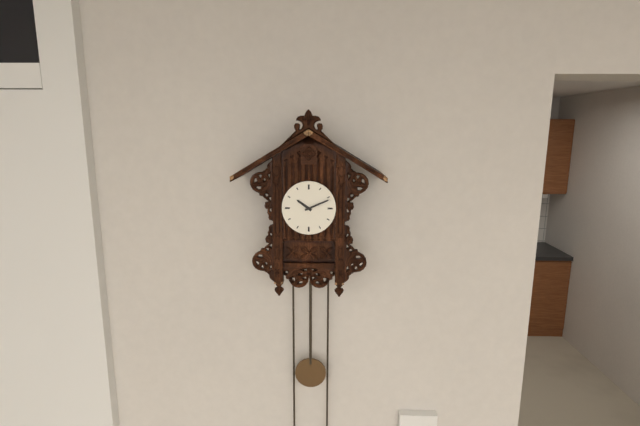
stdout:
h=10 m=11
